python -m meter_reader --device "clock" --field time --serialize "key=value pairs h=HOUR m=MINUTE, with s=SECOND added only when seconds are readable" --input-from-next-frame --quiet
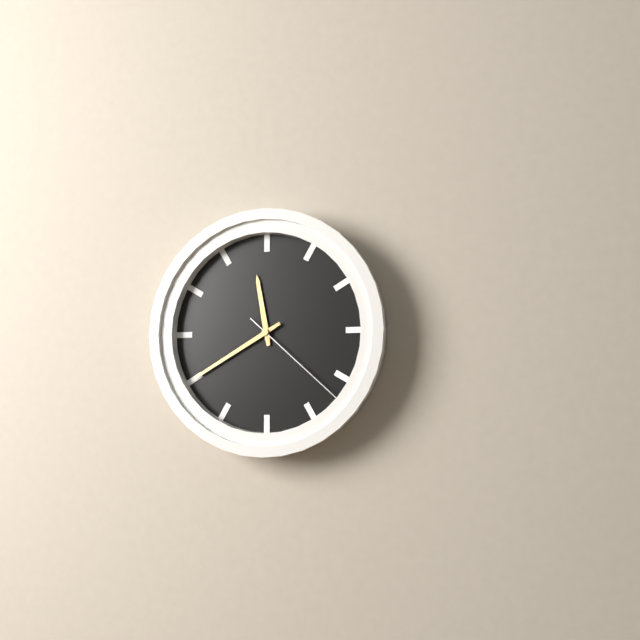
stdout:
h=11 m=40 s=22
